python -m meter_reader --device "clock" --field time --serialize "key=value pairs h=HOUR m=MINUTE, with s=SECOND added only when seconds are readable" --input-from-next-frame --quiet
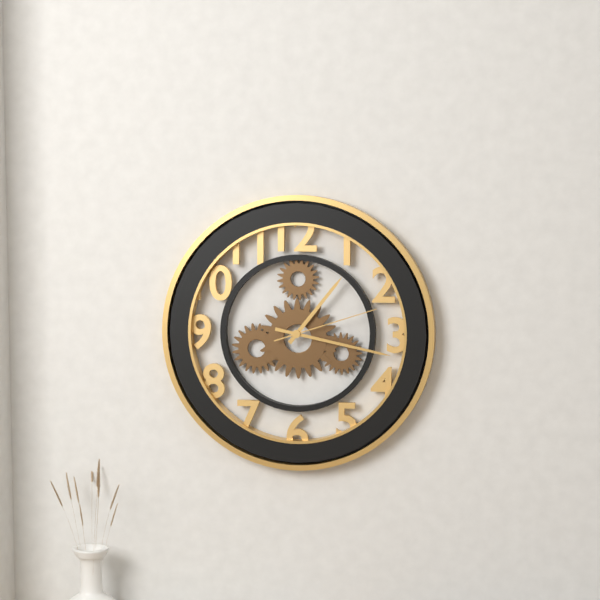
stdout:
h=1 m=17 s=12
